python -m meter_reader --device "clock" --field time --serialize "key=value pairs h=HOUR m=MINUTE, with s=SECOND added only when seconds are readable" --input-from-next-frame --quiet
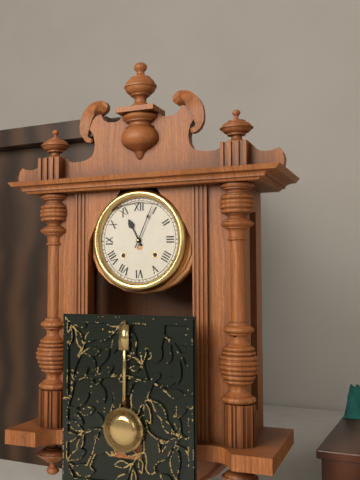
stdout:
h=11 m=4
